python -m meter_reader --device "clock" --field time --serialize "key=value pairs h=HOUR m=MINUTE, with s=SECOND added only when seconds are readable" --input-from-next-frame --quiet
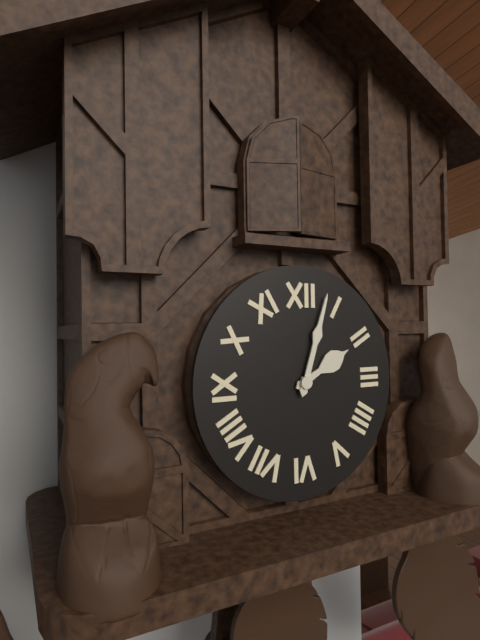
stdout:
h=2 m=3
